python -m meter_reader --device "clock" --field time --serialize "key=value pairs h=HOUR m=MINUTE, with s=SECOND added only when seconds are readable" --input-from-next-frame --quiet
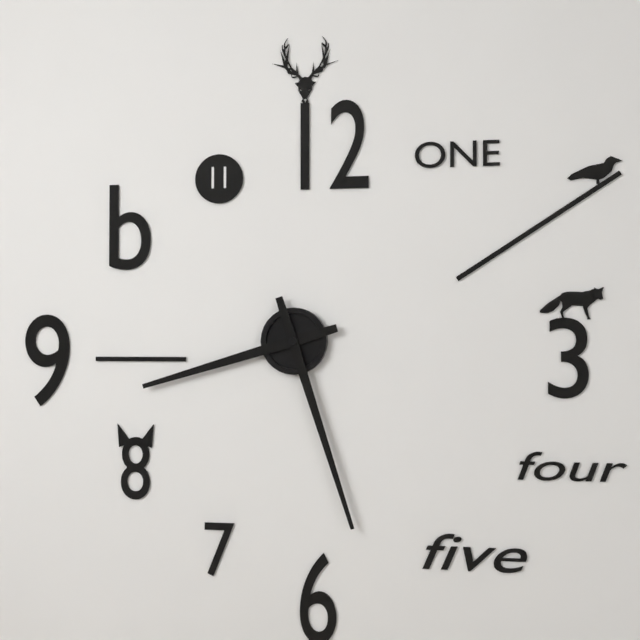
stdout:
h=8 m=27
